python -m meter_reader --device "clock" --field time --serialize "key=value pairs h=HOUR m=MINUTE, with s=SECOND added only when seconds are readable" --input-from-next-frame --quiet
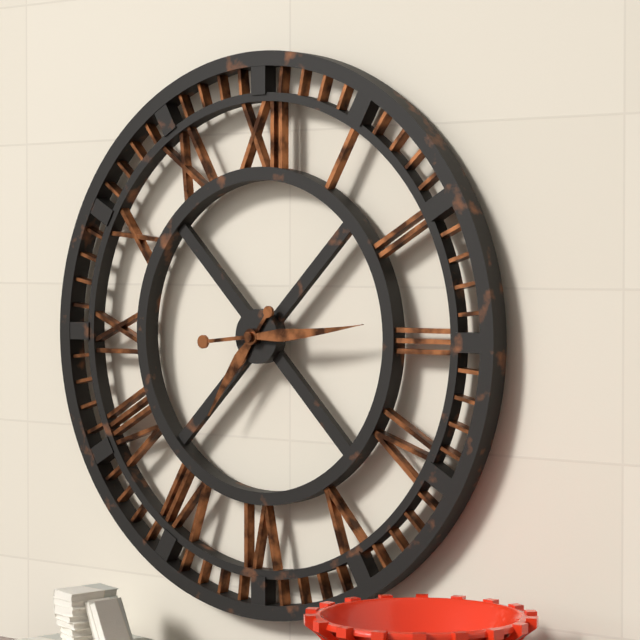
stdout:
h=7 m=14
